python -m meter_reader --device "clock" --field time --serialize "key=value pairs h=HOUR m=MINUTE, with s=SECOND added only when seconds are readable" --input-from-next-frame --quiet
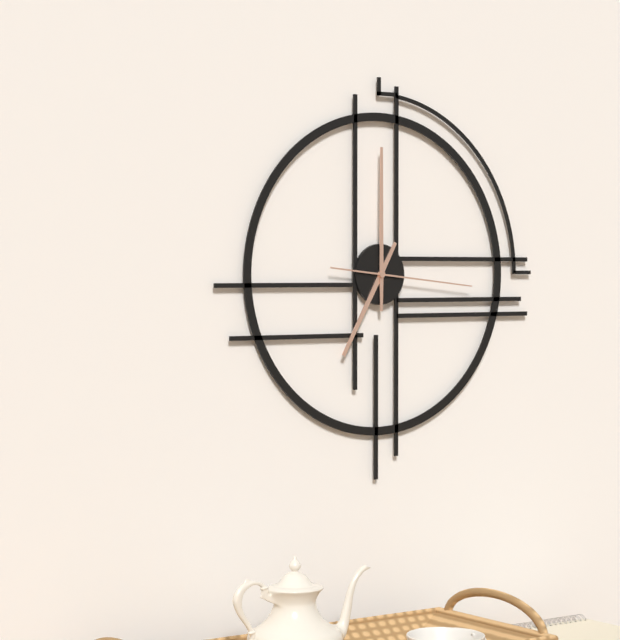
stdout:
h=7 m=0 s=16
